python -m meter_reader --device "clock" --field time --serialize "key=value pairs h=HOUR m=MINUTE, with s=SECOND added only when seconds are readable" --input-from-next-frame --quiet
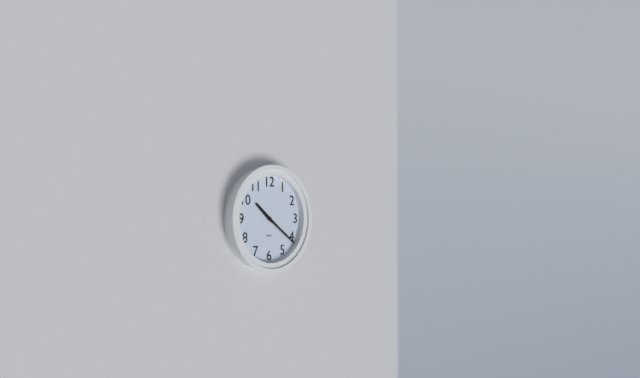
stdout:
h=10 m=21
